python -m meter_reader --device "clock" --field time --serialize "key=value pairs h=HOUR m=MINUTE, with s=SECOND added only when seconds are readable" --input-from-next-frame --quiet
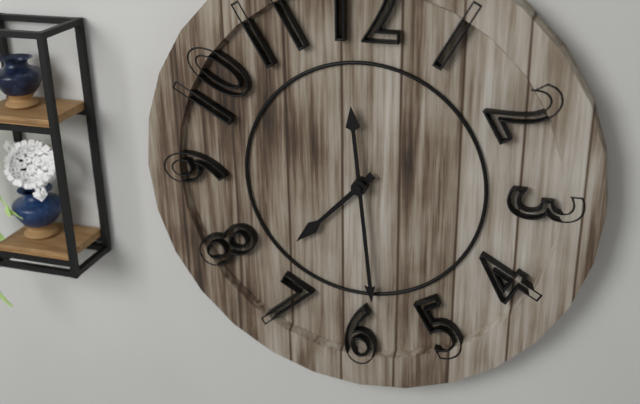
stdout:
h=7 m=29
